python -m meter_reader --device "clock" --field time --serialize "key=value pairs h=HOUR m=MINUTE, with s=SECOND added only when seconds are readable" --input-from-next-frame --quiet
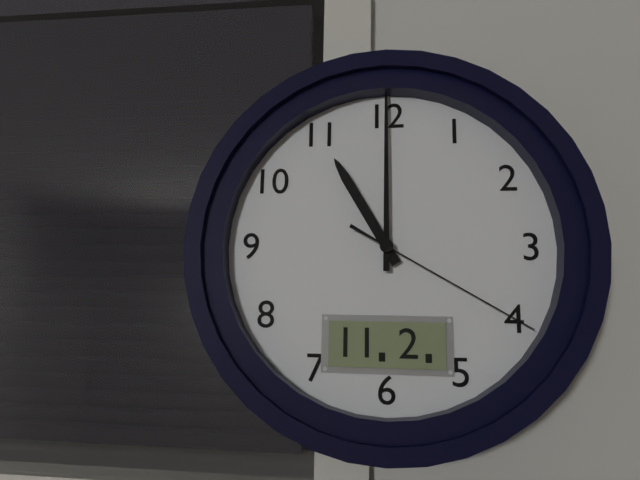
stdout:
h=11 m=0 s=20
